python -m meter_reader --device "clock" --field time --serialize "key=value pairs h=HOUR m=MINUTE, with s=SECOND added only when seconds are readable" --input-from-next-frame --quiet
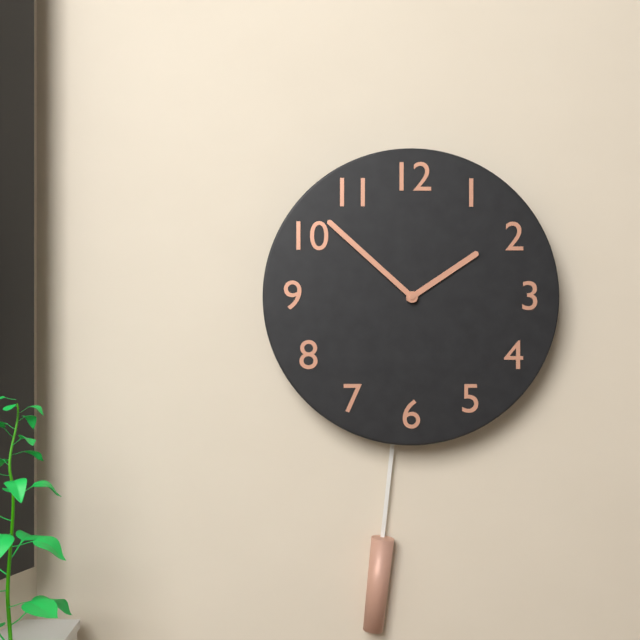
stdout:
h=1 m=52
